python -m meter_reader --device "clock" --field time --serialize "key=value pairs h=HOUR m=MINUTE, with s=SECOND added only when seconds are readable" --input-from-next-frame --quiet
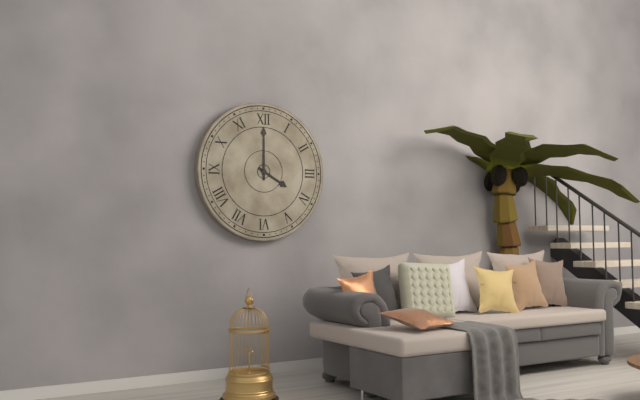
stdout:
h=4 m=0
